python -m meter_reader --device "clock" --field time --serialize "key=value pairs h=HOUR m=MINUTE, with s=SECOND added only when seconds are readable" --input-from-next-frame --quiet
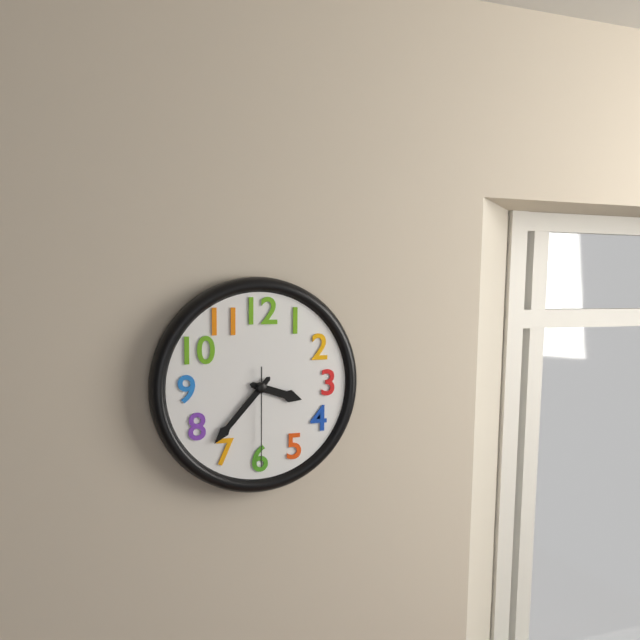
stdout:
h=3 m=37 s=30
